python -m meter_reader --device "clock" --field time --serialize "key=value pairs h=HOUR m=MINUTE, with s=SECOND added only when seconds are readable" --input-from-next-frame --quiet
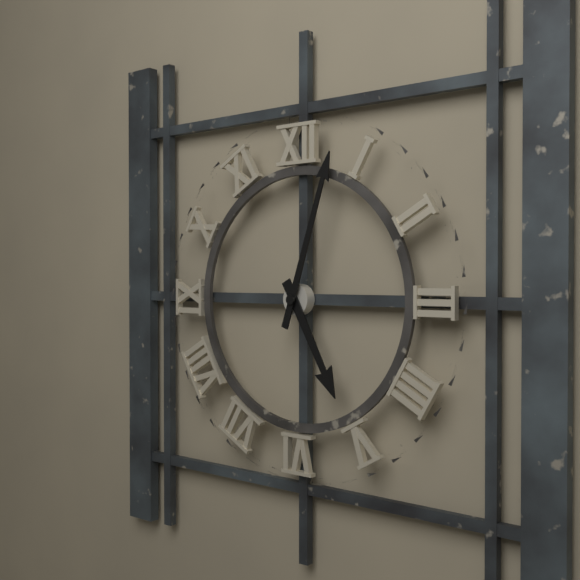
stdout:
h=5 m=3
